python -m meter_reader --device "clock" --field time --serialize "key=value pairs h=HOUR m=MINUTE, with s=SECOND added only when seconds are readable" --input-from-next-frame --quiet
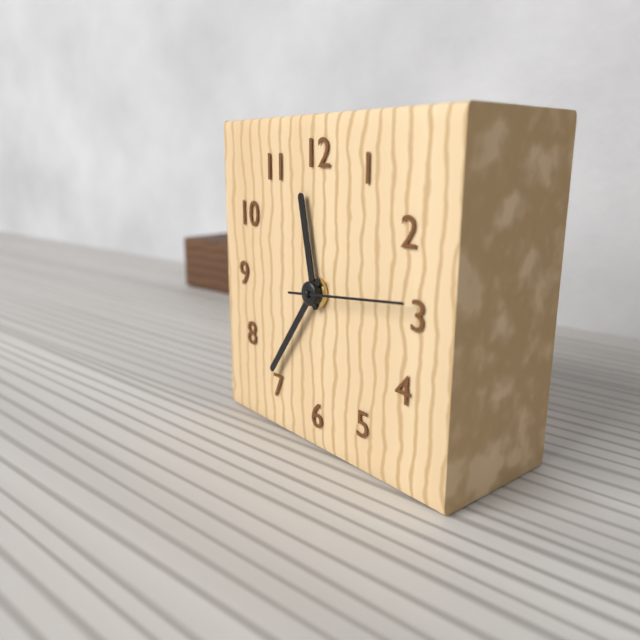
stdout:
h=11 m=36 s=14
